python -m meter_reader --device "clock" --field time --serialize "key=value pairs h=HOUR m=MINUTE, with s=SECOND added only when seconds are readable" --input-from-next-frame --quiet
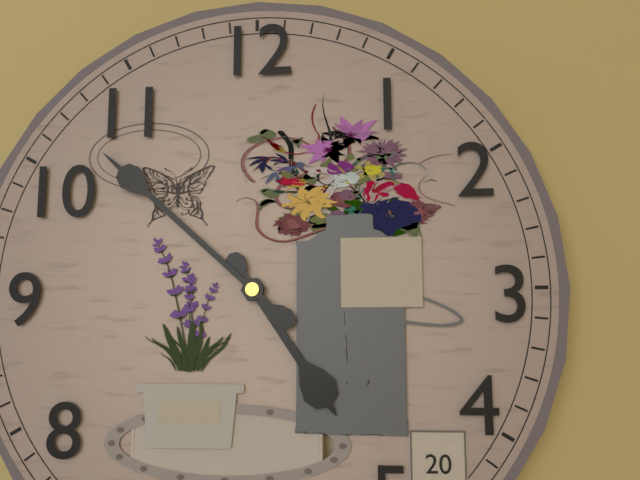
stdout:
h=4 m=52
